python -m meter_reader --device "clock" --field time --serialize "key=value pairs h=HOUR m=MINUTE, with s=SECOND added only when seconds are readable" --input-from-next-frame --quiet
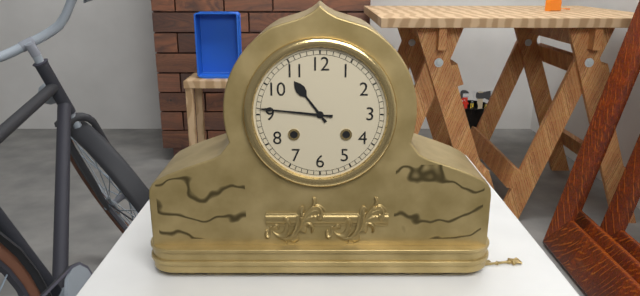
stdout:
h=10 m=46
